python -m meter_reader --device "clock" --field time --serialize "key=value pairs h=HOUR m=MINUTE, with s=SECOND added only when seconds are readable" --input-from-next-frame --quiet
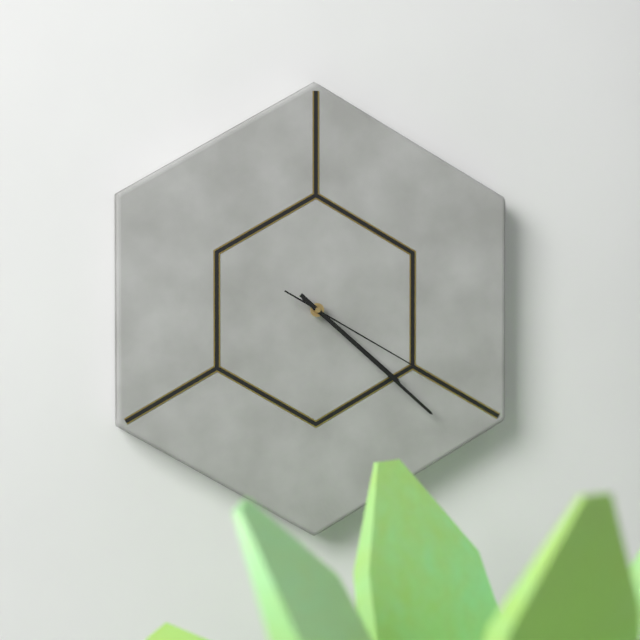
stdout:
h=4 m=22 s=20
